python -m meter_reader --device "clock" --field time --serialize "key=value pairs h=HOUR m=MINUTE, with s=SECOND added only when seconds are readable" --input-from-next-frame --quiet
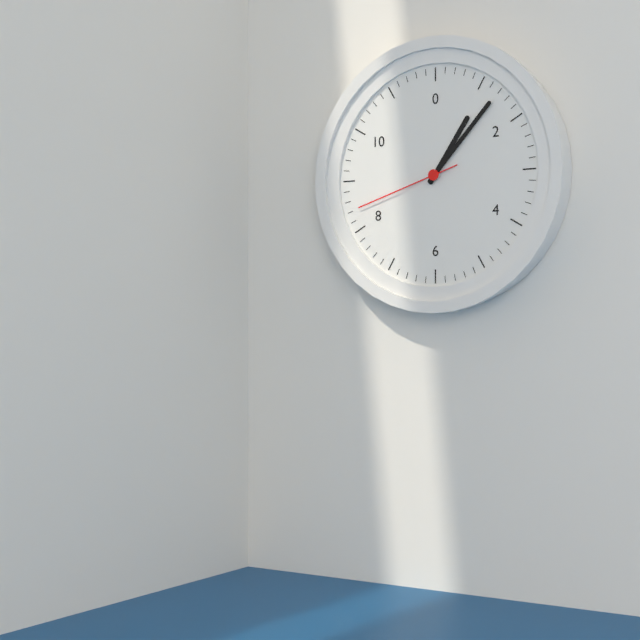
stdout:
h=1 m=7 s=42
